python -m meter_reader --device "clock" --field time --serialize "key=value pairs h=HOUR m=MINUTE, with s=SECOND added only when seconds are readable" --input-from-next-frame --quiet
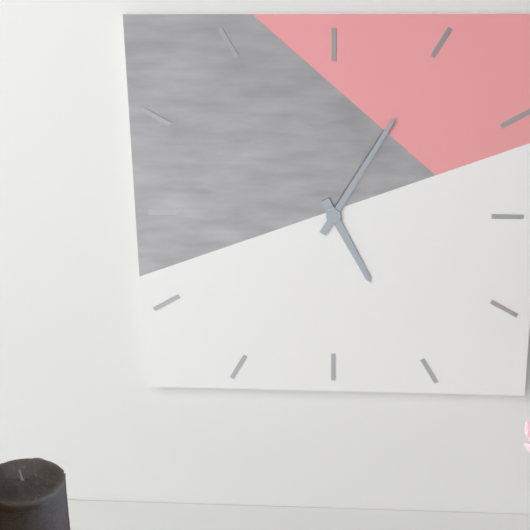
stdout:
h=5 m=5
